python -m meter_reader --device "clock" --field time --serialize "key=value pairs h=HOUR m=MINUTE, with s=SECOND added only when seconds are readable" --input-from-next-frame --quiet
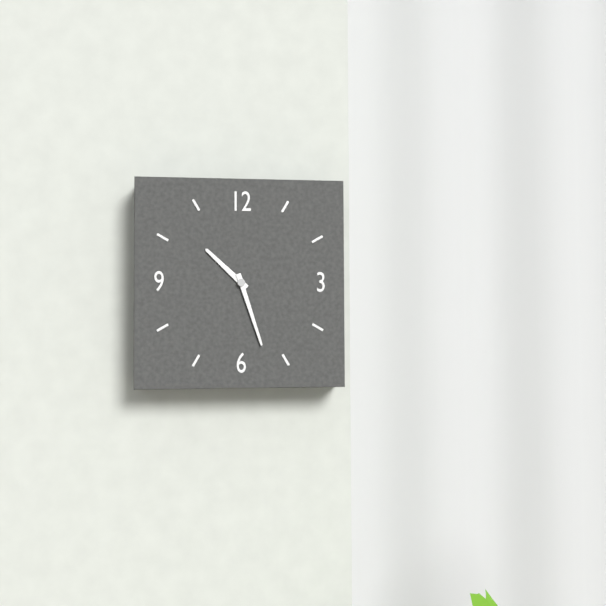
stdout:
h=10 m=27
